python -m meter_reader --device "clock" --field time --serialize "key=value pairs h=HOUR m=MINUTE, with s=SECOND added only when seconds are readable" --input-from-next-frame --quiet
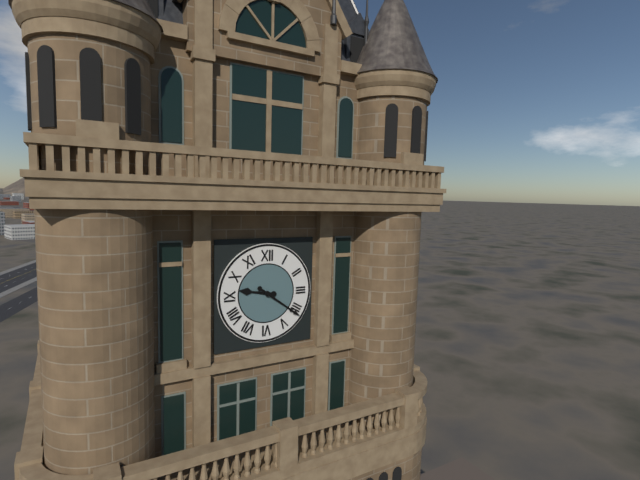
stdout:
h=9 m=21
